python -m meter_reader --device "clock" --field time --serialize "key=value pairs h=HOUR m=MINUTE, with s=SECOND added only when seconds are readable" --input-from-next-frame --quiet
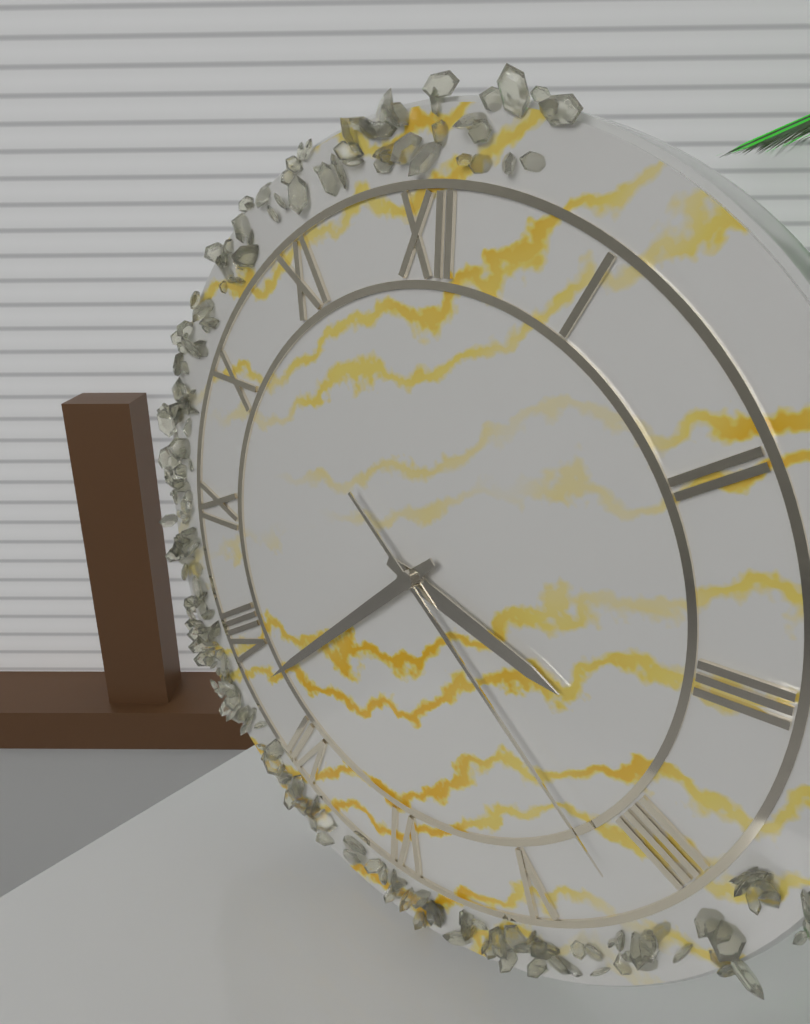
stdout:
h=3 m=38 s=22
